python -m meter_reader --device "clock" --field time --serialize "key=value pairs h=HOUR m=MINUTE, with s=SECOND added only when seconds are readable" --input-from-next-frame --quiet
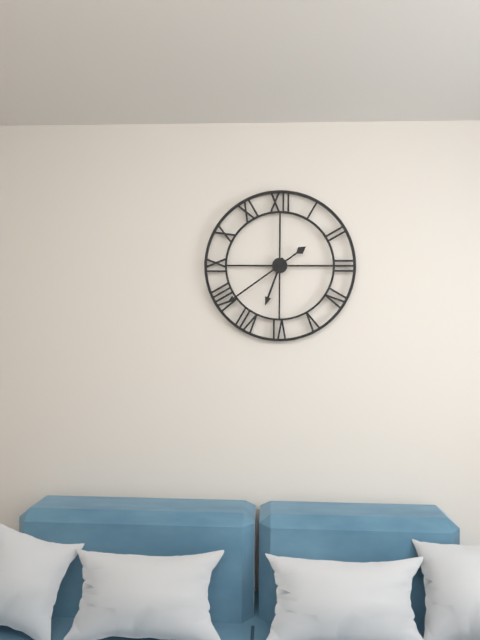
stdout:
h=6 m=39
